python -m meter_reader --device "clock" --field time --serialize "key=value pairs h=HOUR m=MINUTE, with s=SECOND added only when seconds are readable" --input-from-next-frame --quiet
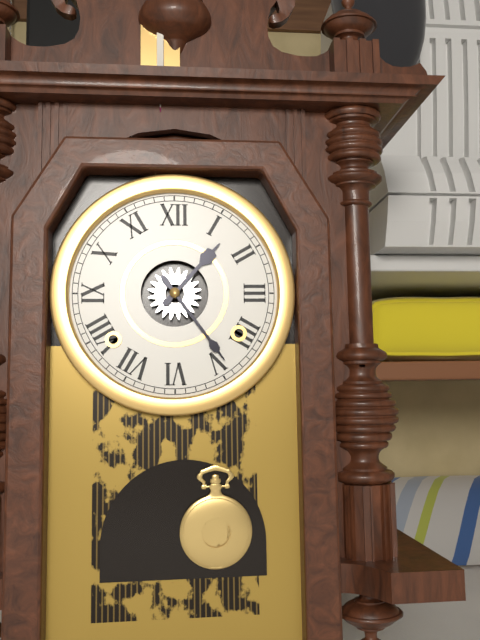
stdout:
h=1 m=24
